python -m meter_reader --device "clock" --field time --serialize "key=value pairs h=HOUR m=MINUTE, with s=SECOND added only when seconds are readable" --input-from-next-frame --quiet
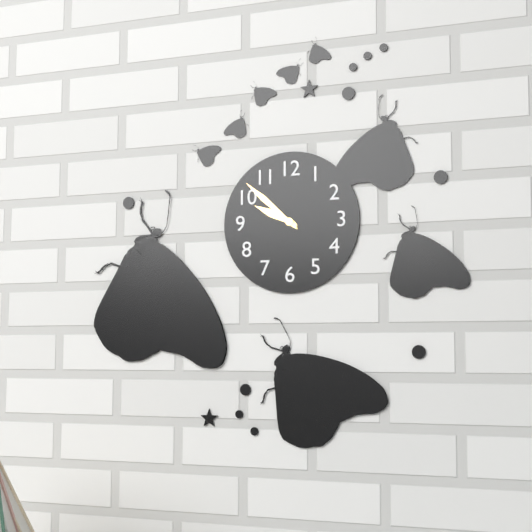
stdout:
h=9 m=52
